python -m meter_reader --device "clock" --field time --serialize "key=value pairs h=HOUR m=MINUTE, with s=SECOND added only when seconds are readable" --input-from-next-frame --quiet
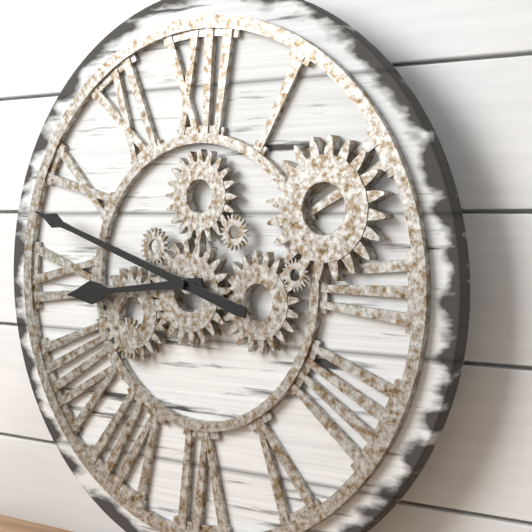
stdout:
h=8 m=48
